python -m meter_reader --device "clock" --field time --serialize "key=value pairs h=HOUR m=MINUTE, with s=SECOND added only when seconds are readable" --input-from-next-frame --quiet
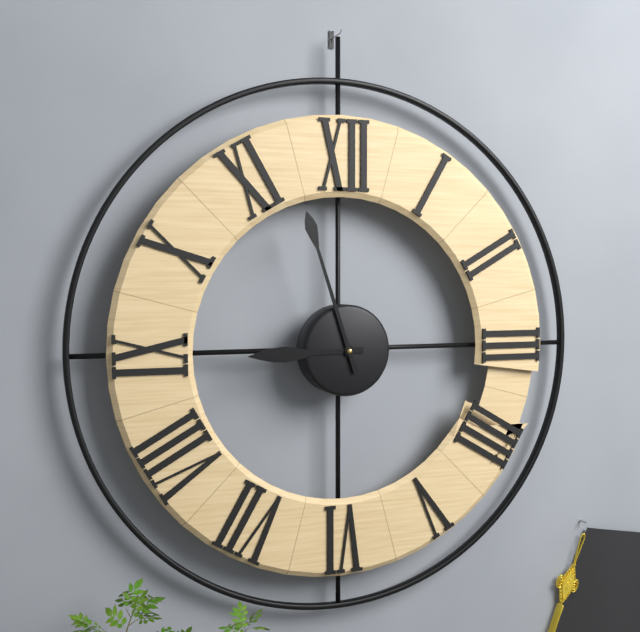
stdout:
h=8 m=57
